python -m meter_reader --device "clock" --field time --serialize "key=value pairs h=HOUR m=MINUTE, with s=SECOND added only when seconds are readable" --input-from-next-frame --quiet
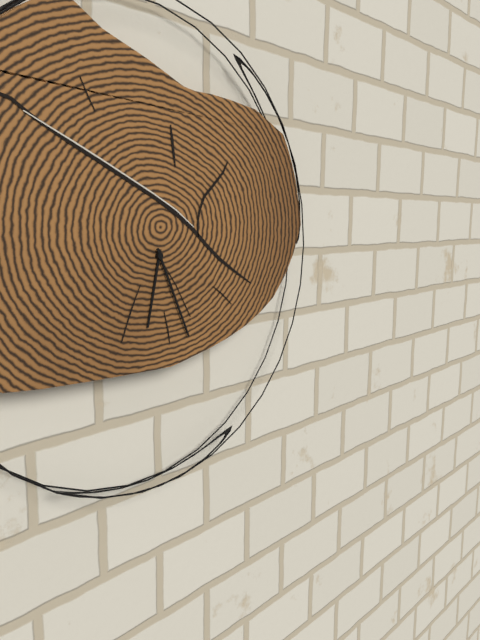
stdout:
h=6 m=26
